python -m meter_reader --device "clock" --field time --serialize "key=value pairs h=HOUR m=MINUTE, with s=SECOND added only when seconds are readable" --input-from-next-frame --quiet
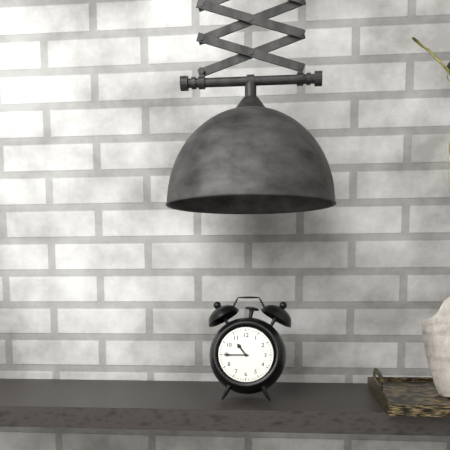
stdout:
h=10 m=45
